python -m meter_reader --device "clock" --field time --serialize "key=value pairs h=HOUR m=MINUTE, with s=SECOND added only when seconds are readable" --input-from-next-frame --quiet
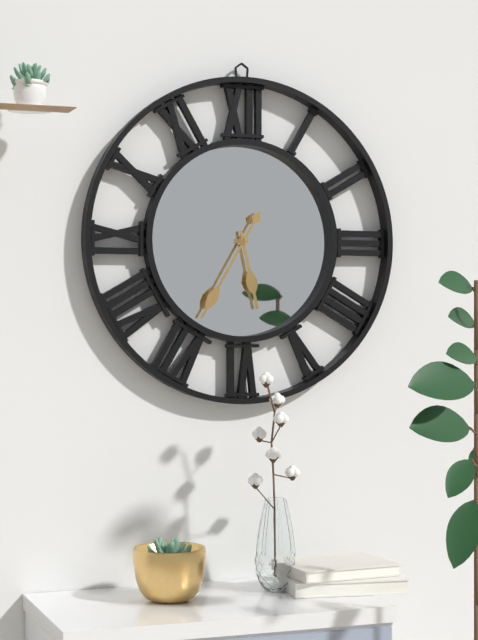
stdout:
h=5 m=35
